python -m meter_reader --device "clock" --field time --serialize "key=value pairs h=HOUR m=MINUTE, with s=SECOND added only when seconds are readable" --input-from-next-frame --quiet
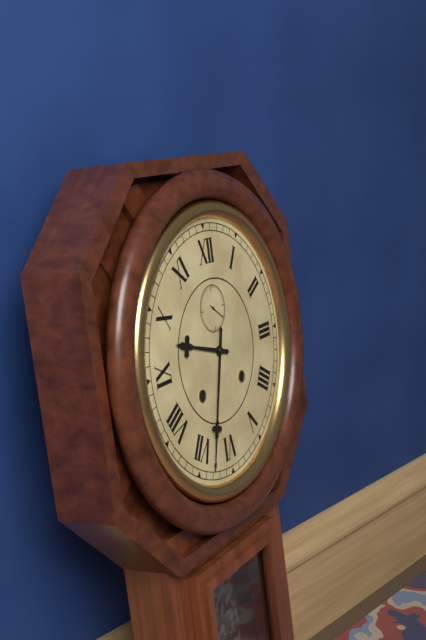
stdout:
h=9 m=33
